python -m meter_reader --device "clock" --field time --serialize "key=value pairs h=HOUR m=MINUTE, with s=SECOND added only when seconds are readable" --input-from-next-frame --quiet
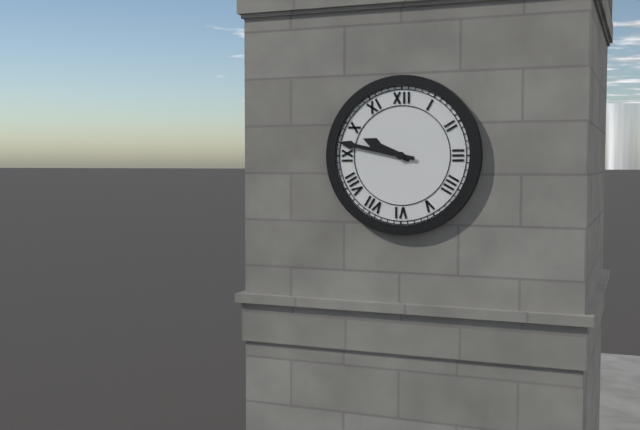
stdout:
h=9 m=47
